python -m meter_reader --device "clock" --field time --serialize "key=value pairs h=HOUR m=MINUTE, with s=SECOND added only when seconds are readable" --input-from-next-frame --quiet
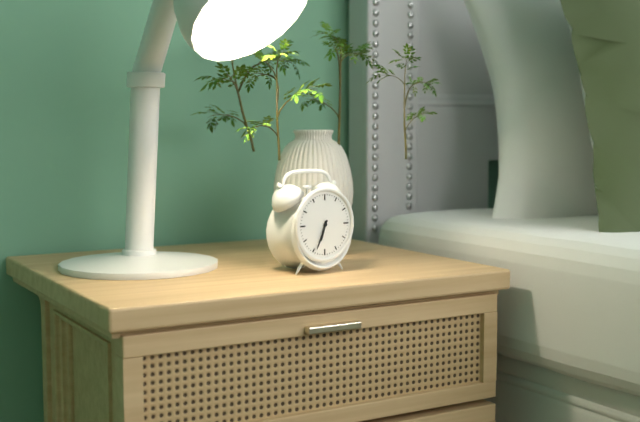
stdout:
h=6 m=34
